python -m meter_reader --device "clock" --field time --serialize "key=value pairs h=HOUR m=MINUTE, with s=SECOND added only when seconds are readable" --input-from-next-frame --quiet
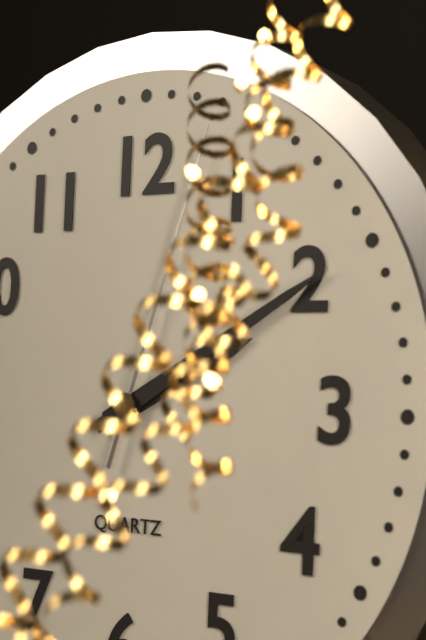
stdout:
h=2 m=10 s=3
